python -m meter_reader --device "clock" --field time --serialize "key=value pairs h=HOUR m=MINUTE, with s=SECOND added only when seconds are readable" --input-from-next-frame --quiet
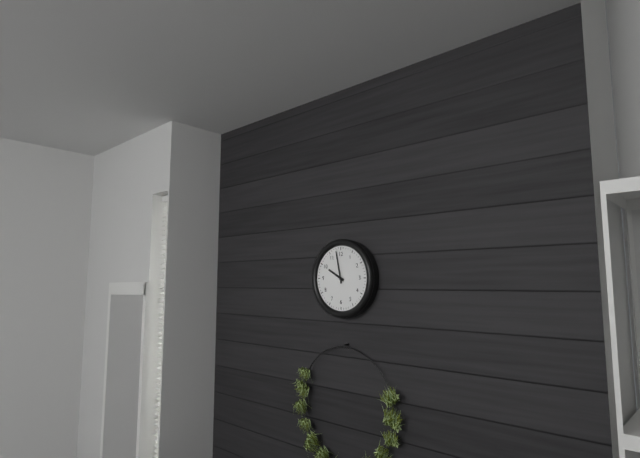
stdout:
h=9 m=58
